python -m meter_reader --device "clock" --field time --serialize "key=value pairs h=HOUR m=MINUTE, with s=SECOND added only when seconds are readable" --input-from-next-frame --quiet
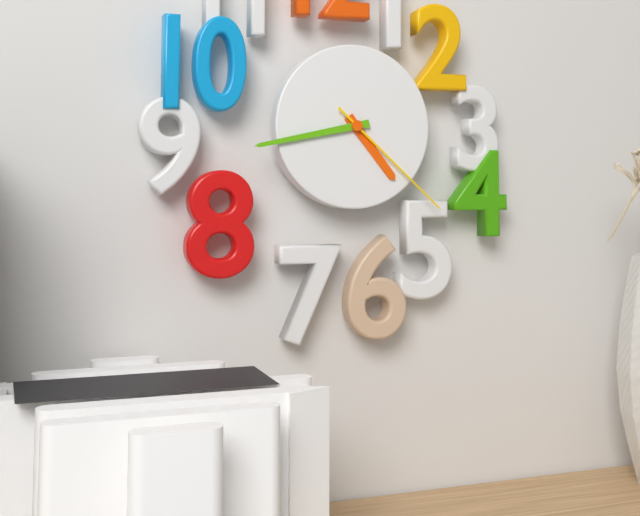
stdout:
h=4 m=43 s=22
